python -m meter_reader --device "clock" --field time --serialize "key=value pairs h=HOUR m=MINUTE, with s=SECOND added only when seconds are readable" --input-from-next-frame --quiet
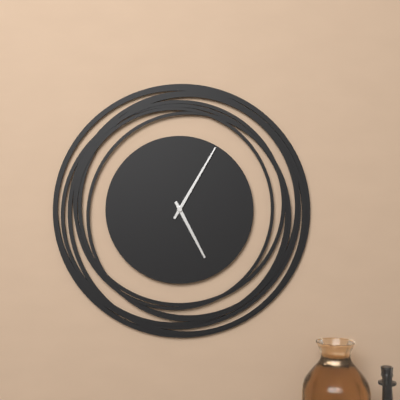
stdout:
h=5 m=5
